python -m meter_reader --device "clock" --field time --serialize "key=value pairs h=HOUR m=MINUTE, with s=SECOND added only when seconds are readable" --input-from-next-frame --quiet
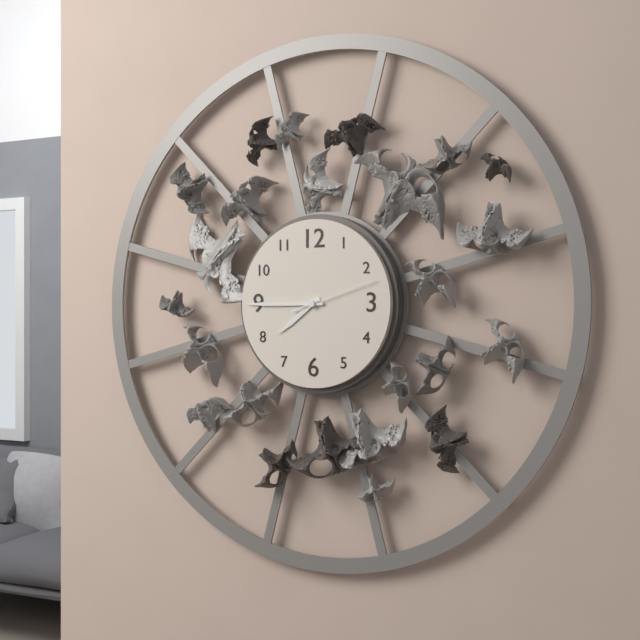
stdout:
h=7 m=45 s=12
